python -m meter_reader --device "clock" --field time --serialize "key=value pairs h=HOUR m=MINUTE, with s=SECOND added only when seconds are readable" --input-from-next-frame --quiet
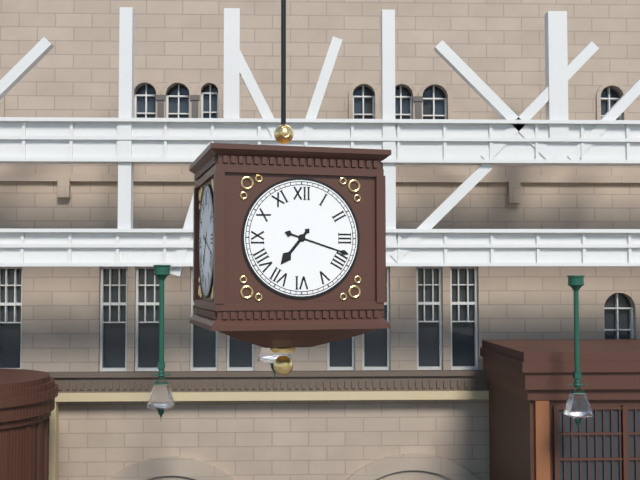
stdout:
h=7 m=18
